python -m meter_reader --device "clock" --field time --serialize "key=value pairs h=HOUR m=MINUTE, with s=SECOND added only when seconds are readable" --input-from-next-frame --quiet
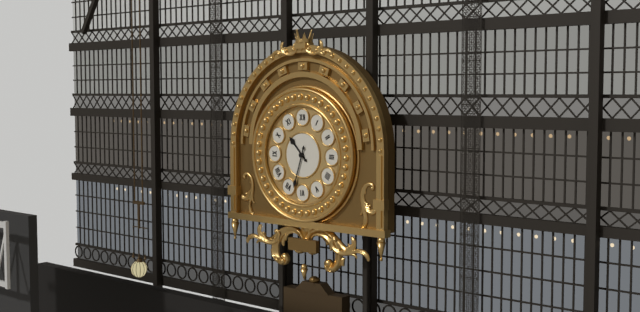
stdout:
h=10 m=33
